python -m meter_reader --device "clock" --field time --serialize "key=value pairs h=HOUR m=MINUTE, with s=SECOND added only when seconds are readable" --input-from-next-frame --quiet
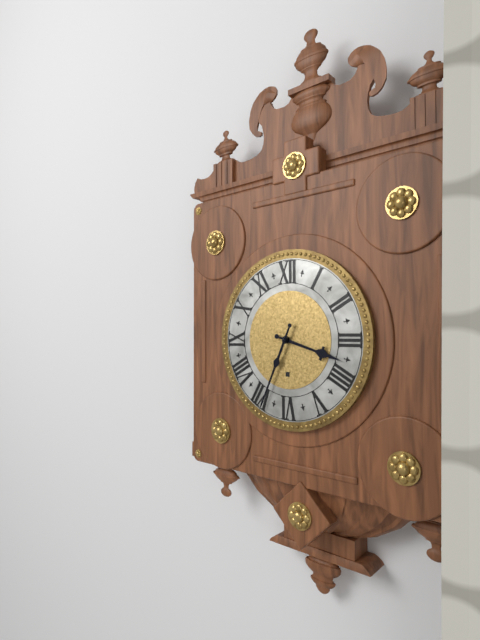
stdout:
h=3 m=34
